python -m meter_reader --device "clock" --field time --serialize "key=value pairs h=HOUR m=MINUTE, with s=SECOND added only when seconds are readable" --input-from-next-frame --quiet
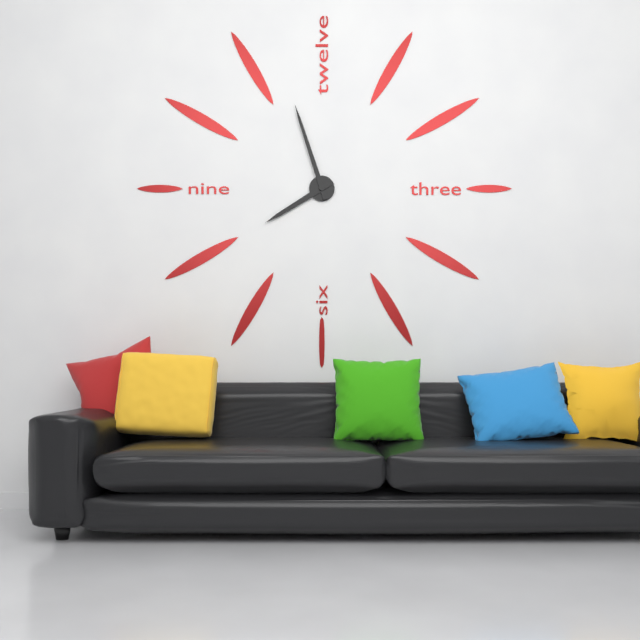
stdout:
h=7 m=57
